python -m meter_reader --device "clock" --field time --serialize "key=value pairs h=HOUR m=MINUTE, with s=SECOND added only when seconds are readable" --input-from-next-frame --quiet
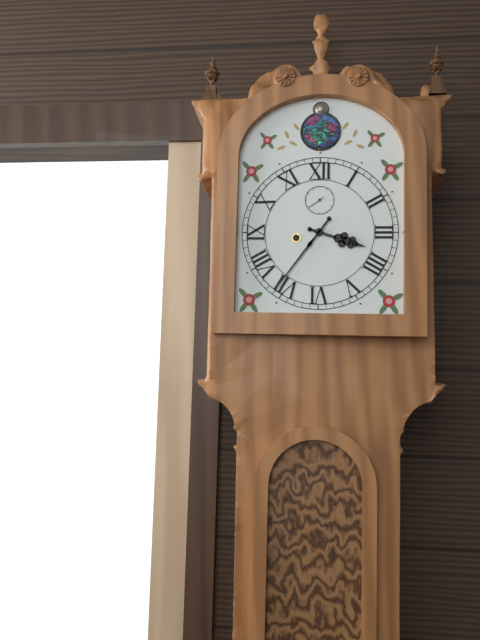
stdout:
h=3 m=36
